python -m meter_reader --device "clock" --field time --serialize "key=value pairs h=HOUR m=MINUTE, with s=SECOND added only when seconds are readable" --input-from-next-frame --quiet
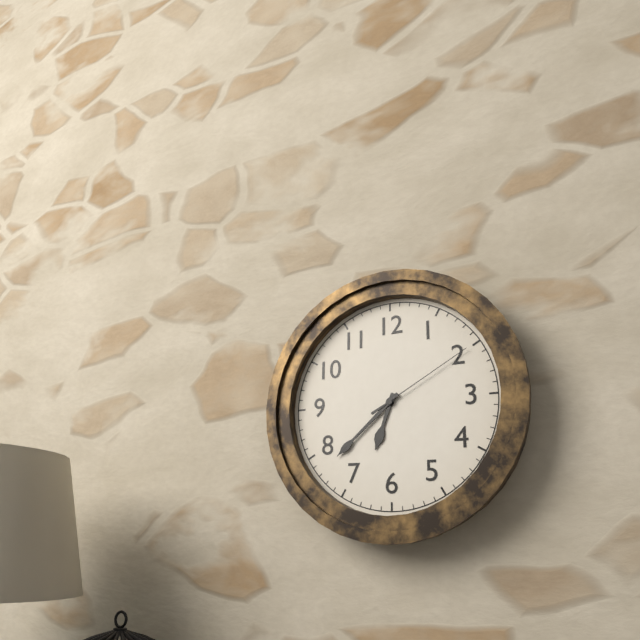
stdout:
h=6 m=38 s=10
